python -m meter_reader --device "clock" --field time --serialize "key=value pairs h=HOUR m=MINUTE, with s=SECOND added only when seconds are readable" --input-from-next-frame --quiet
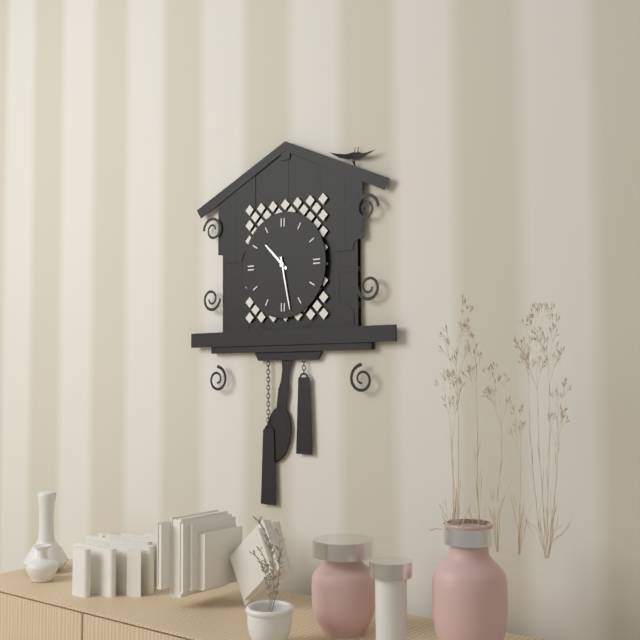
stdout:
h=10 m=28
